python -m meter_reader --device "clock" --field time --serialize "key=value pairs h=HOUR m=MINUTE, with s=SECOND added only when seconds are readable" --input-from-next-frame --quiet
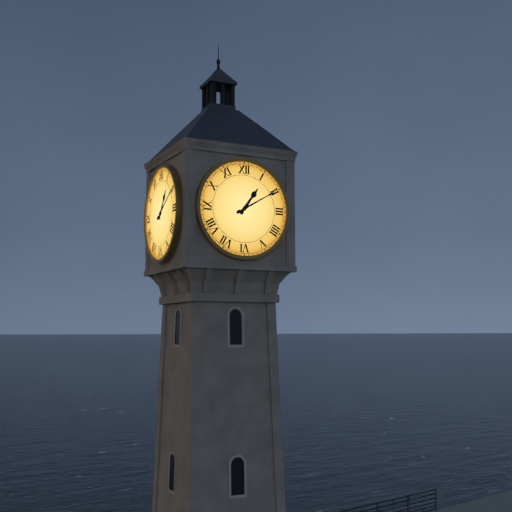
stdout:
h=1 m=10
